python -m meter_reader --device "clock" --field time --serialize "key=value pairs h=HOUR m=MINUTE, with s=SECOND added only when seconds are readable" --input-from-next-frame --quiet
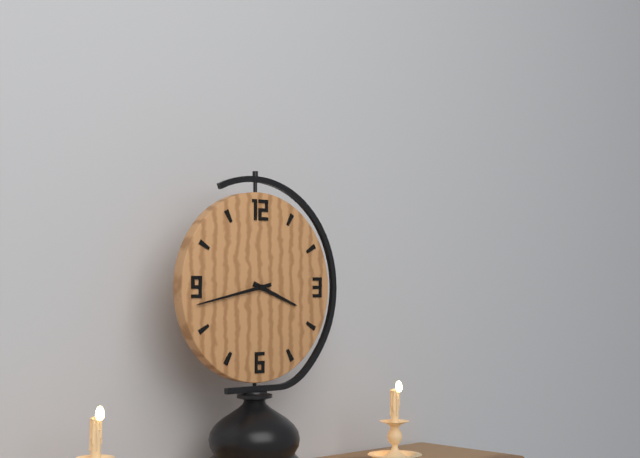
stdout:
h=3 m=43
